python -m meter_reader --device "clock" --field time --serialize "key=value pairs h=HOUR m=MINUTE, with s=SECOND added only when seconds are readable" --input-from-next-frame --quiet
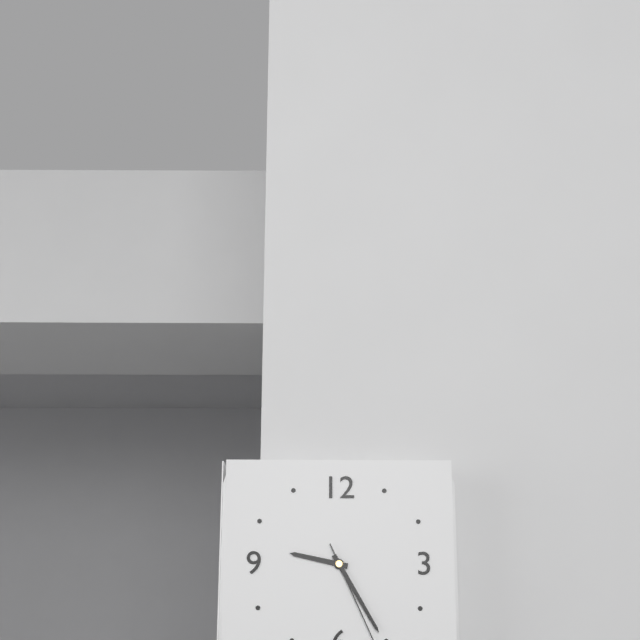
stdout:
h=9 m=25
